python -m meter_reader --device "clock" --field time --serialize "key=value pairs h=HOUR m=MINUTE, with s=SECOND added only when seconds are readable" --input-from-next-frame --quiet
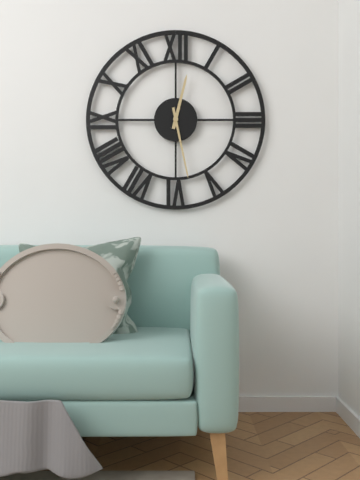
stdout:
h=12 m=28
